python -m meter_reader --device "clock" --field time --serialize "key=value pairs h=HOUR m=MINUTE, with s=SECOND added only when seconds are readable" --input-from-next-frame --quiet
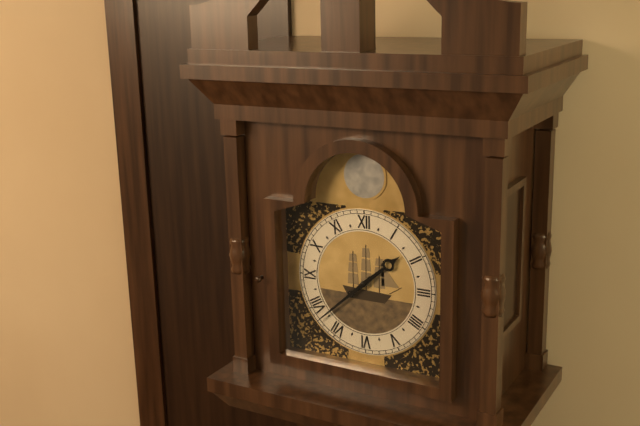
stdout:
h=1 m=38
